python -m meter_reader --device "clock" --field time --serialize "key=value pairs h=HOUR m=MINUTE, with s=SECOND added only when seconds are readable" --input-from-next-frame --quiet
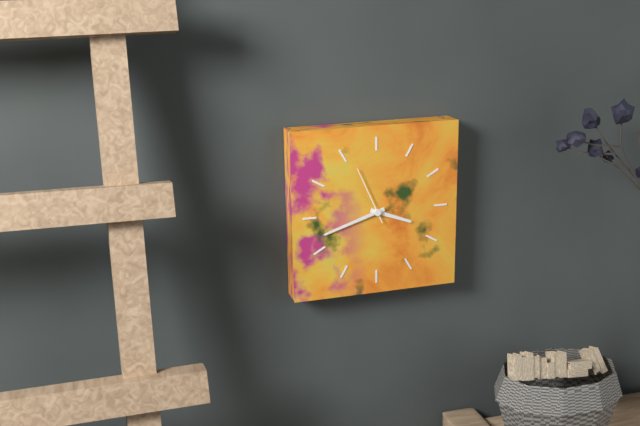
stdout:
h=3 m=42 s=56
